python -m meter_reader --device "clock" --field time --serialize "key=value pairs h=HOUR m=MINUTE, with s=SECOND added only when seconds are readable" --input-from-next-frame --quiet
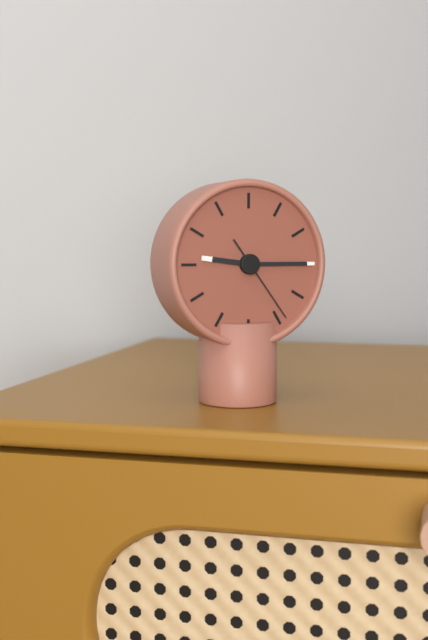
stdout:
h=9 m=15 s=24
